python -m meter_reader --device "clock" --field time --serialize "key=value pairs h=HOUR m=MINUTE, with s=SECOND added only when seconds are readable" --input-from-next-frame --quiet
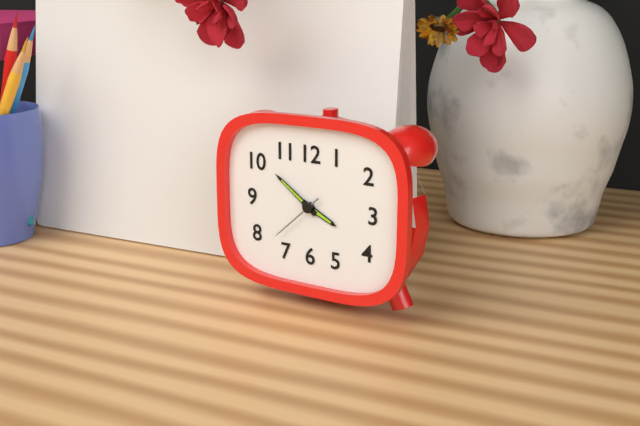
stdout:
h=3 m=51 s=38
